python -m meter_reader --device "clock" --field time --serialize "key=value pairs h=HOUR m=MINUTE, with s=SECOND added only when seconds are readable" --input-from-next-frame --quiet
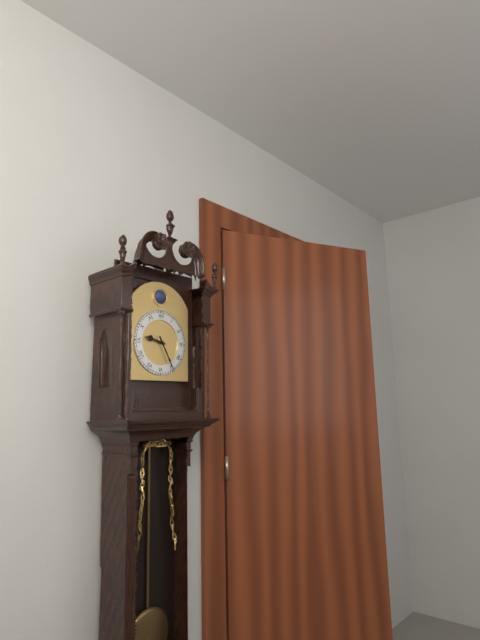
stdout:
h=9 m=25
